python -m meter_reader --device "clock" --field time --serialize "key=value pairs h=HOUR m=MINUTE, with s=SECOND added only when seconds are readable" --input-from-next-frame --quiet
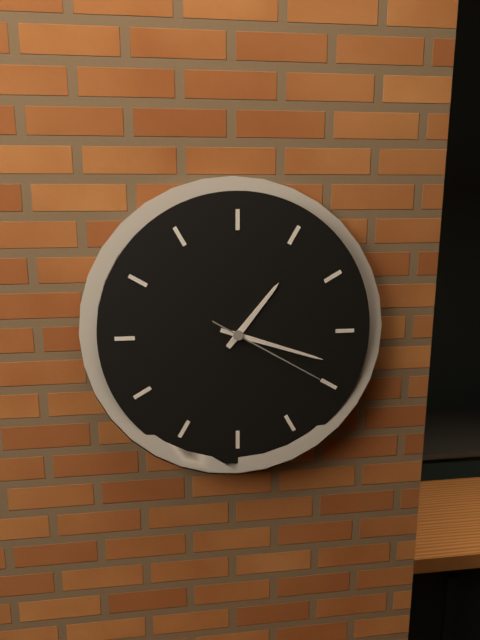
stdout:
h=1 m=18 s=20
